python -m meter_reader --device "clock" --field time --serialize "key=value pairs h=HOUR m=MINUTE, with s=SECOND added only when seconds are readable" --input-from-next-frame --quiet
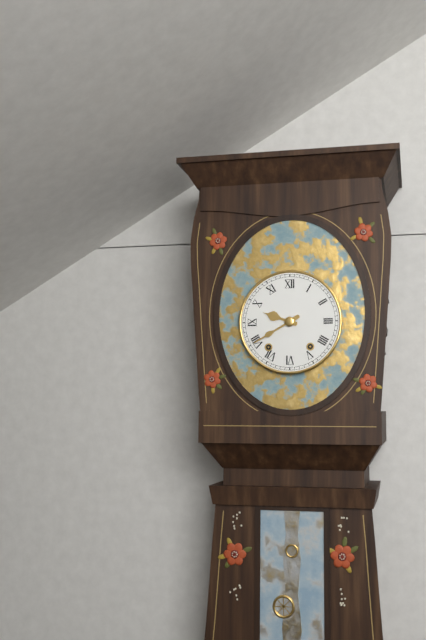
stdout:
h=9 m=40
